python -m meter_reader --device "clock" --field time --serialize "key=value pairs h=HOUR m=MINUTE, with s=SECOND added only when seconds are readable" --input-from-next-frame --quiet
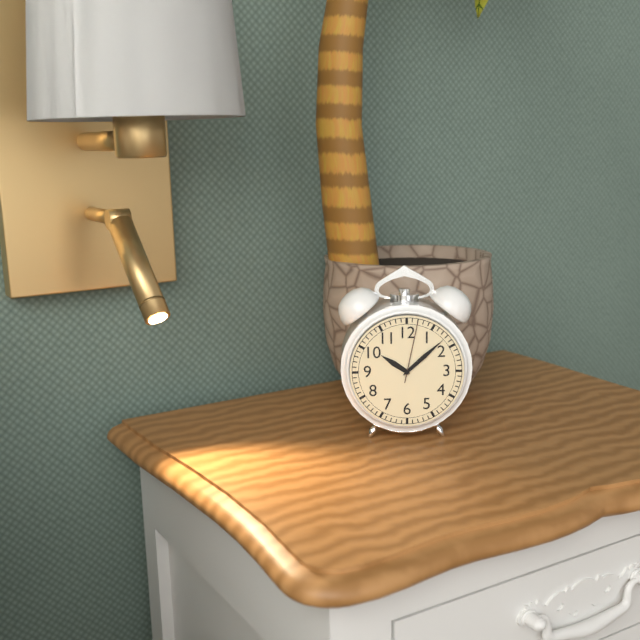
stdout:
h=10 m=8 s=2
